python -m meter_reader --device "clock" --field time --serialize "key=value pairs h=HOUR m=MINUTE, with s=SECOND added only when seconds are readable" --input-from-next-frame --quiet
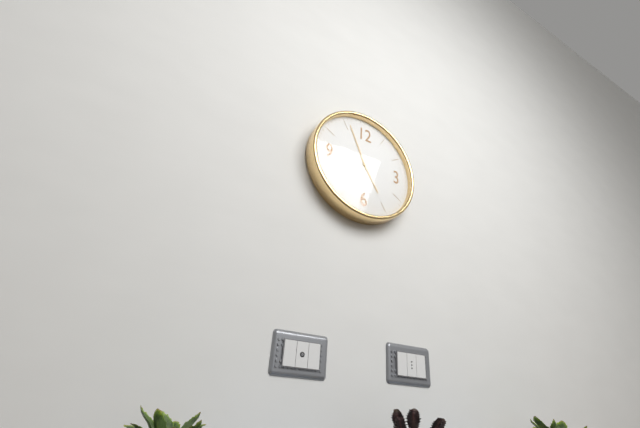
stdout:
h=4 m=56
